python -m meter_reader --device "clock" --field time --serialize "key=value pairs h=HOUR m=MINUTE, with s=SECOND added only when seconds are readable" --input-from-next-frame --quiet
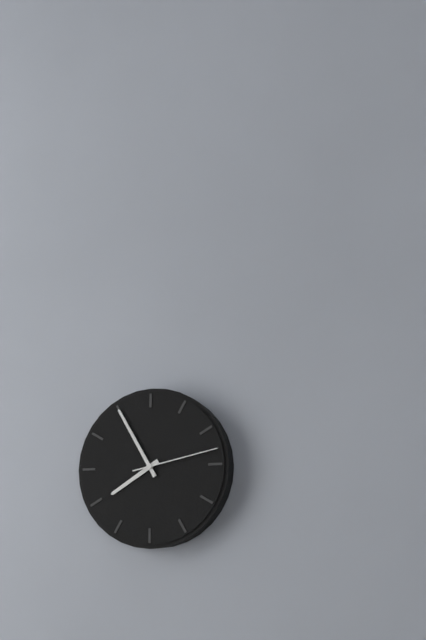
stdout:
h=7 m=55 s=13
